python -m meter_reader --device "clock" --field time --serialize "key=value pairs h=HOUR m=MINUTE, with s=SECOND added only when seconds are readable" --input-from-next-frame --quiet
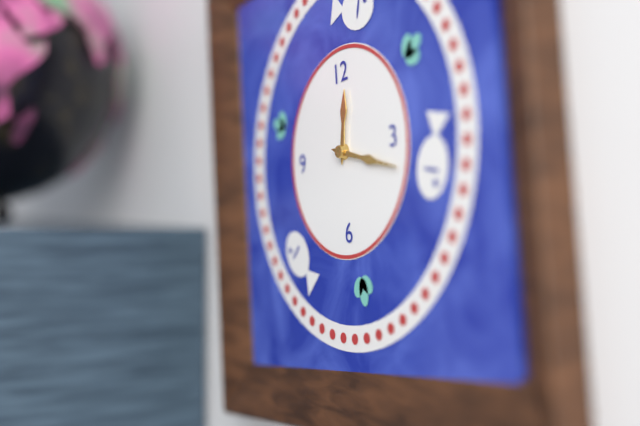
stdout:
h=12 m=18
